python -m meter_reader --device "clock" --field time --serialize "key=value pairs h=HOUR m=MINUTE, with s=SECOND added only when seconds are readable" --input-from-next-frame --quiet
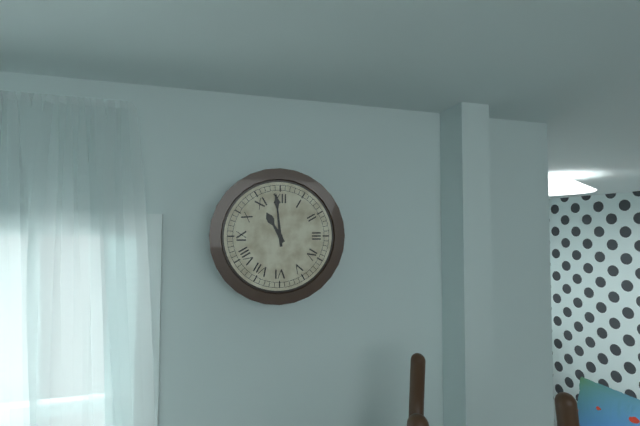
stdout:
h=10 m=59
